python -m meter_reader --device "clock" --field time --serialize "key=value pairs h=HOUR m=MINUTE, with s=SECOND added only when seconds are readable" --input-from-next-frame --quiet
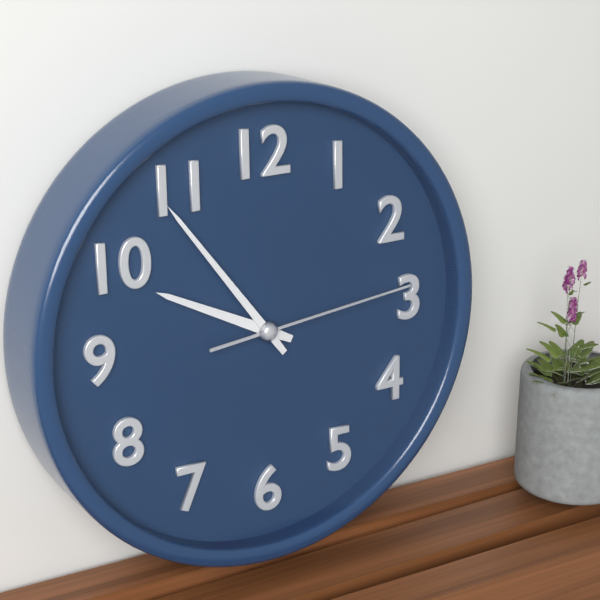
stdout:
h=9 m=54 s=14
